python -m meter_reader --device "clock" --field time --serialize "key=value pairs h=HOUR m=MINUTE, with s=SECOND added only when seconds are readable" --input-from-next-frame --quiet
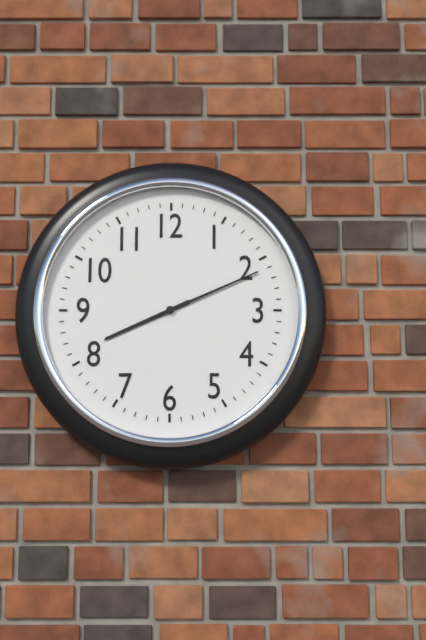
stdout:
h=8 m=11
